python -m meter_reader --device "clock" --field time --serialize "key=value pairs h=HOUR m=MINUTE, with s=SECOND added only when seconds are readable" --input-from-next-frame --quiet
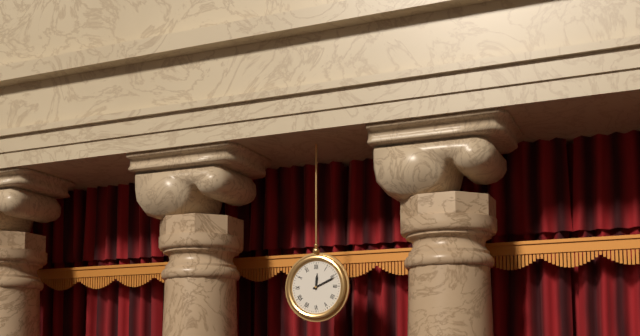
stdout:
h=12 m=11
